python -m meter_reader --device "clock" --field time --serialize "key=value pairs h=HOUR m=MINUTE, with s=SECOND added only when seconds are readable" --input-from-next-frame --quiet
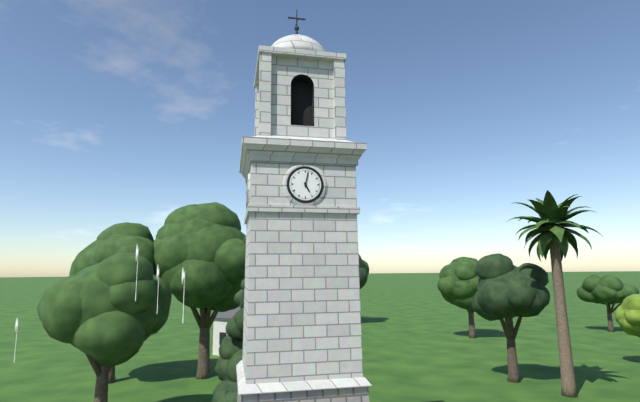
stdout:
h=5 m=2
